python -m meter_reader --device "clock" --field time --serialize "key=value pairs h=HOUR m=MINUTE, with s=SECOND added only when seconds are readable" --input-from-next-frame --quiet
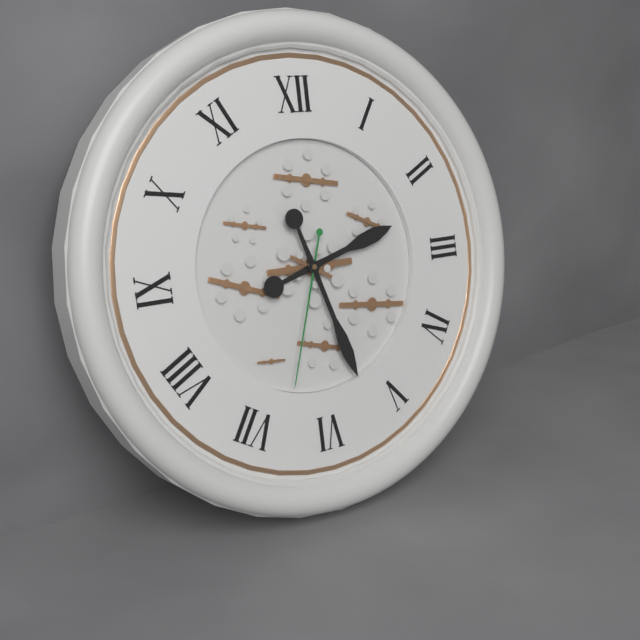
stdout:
h=2 m=27 s=33
